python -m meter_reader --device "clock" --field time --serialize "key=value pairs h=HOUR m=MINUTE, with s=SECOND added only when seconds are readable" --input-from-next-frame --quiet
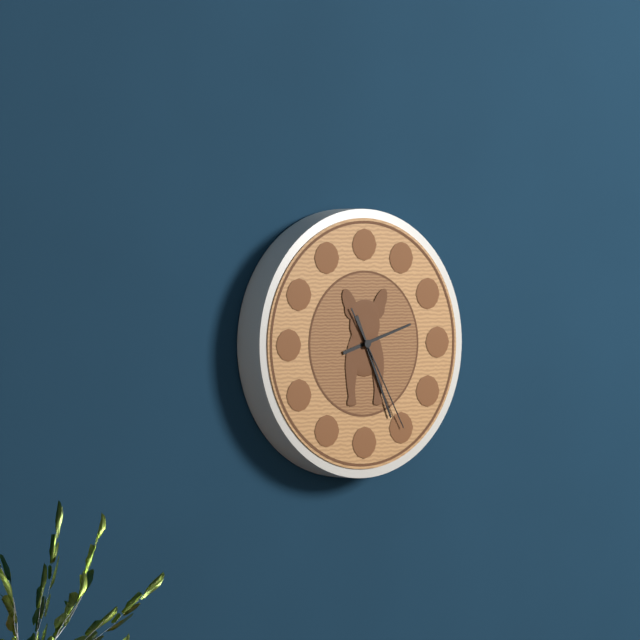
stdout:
h=2 m=26 s=25
